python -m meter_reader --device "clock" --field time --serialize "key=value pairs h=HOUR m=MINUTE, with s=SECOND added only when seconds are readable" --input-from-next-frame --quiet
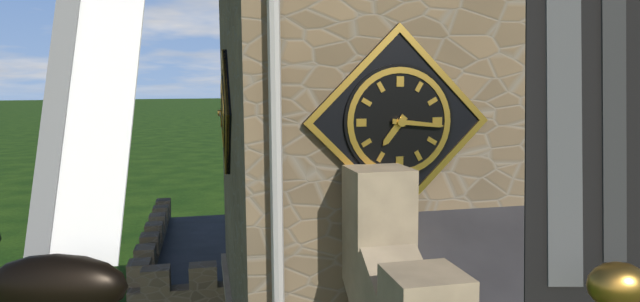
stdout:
h=7 m=16
